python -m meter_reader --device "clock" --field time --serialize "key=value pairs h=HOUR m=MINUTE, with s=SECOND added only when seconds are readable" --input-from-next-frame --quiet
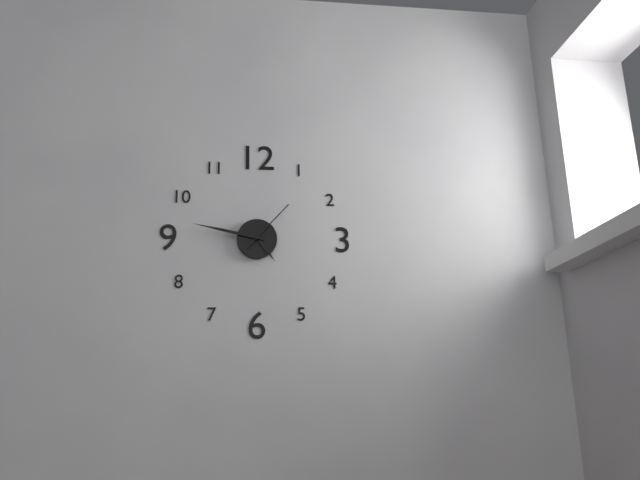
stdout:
h=4 m=47 s=7
